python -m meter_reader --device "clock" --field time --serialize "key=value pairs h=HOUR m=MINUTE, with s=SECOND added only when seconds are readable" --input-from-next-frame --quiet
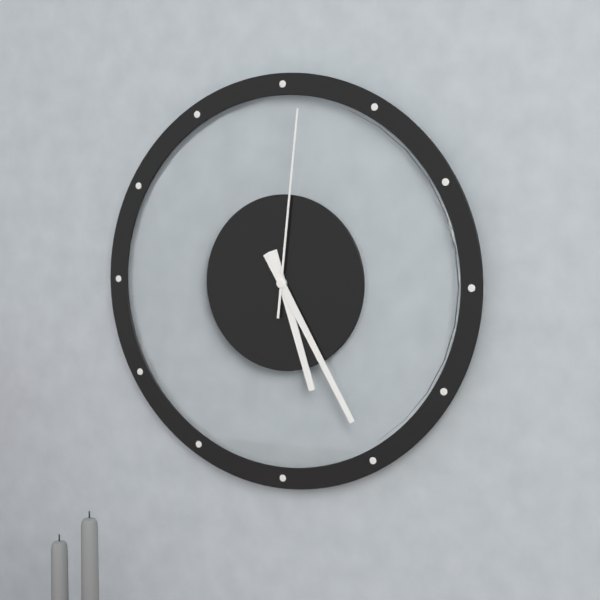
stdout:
h=5 m=25 s=1
